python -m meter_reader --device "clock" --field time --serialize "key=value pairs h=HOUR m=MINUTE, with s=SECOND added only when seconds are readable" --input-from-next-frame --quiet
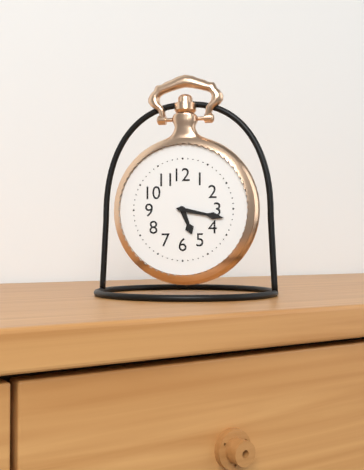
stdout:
h=5 m=17
